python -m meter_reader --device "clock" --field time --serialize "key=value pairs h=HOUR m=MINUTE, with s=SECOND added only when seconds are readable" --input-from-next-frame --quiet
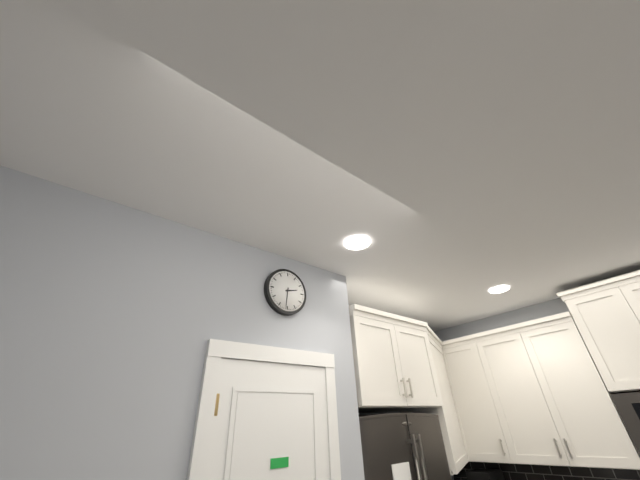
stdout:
h=2 m=31
